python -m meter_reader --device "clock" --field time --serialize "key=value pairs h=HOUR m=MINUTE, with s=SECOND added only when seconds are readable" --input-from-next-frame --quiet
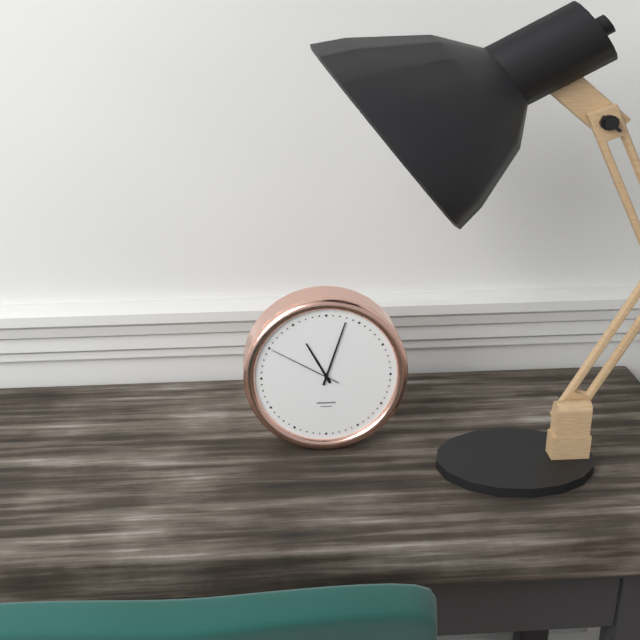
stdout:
h=11 m=3 s=50
